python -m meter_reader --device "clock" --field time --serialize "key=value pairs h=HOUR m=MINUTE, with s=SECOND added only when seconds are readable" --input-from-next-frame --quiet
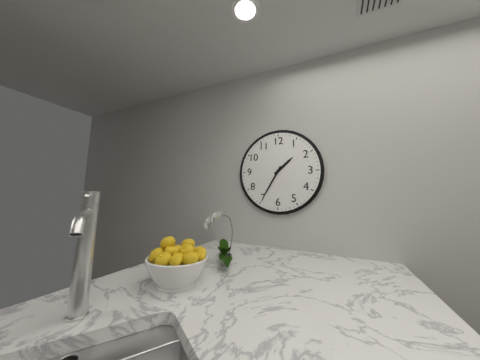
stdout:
h=1 m=35
